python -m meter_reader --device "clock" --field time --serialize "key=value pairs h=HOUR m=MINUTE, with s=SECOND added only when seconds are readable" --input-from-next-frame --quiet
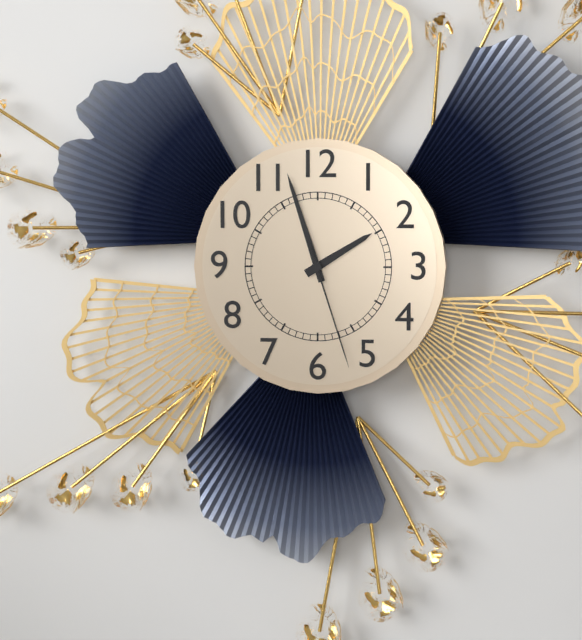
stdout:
h=1 m=57 s=27
